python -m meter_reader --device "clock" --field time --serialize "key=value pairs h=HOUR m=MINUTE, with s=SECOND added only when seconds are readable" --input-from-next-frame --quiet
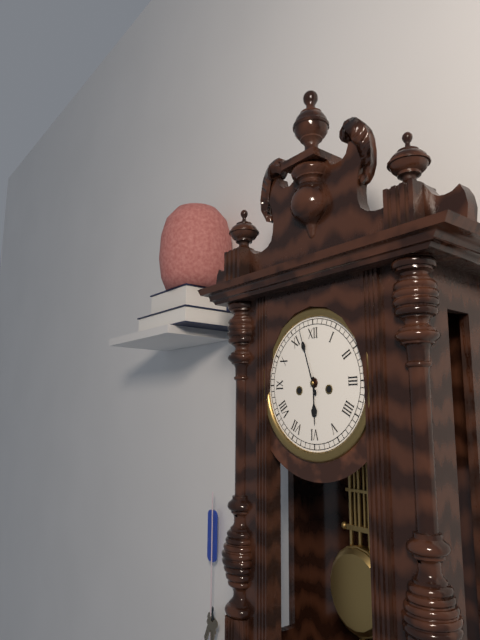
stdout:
h=5 m=57
